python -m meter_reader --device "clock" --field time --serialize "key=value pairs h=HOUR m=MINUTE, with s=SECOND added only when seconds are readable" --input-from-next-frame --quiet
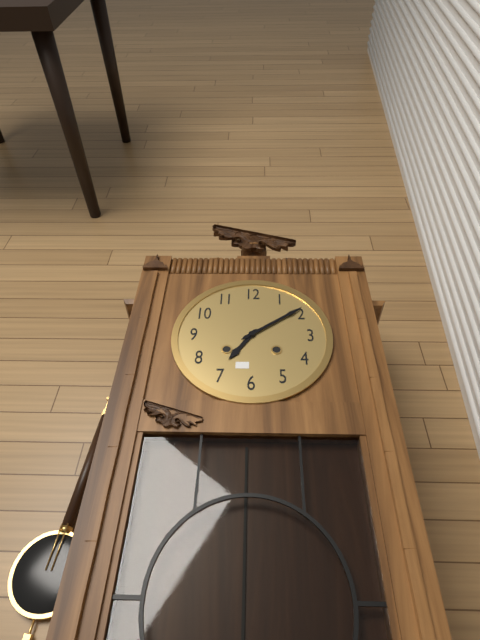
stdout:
h=7 m=9
